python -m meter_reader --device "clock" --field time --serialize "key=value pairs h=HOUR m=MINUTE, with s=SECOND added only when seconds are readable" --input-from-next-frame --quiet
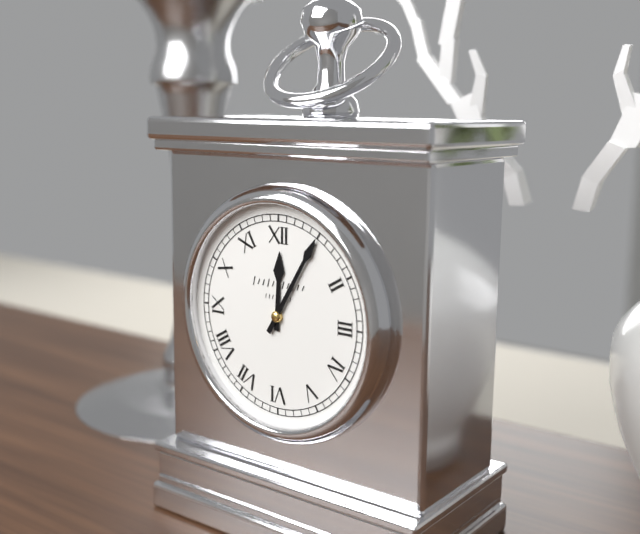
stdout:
h=12 m=5
